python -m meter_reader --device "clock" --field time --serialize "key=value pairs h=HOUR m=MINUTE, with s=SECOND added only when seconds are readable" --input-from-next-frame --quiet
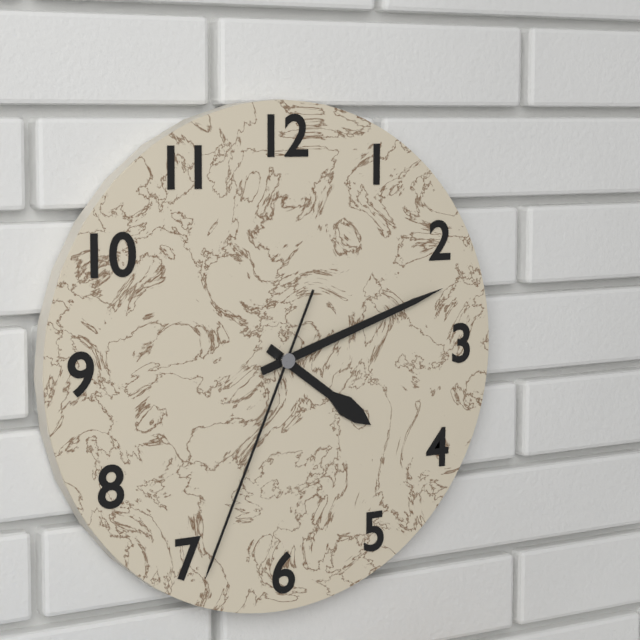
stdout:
h=4 m=12 s=34
